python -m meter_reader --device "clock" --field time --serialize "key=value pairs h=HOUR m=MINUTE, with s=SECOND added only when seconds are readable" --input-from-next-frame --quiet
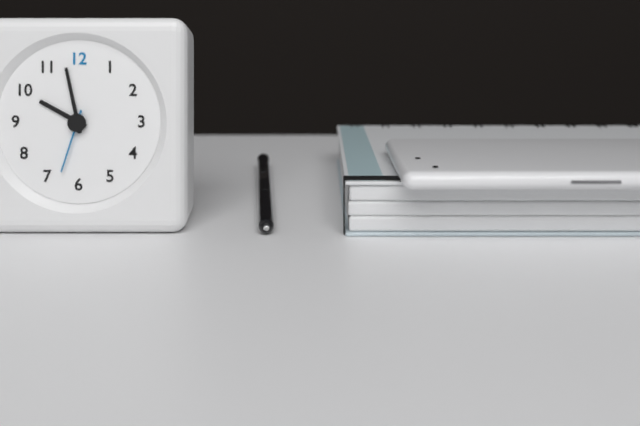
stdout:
h=9 m=58 s=33
